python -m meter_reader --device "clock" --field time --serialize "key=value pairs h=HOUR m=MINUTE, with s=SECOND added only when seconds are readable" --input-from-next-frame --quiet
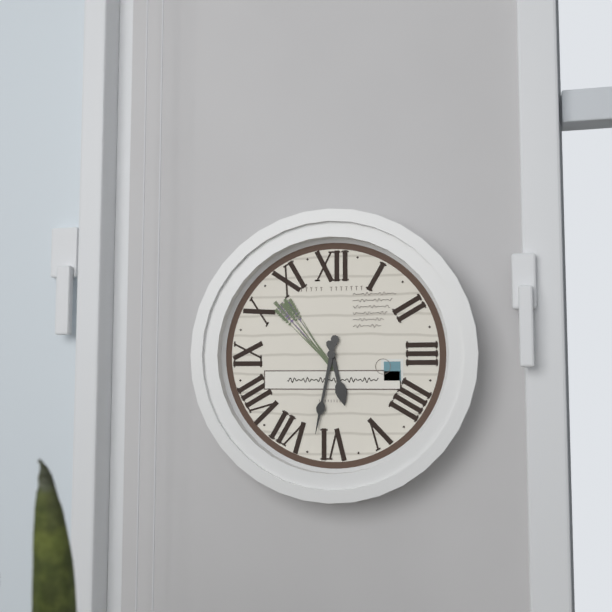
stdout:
h=5 m=32
